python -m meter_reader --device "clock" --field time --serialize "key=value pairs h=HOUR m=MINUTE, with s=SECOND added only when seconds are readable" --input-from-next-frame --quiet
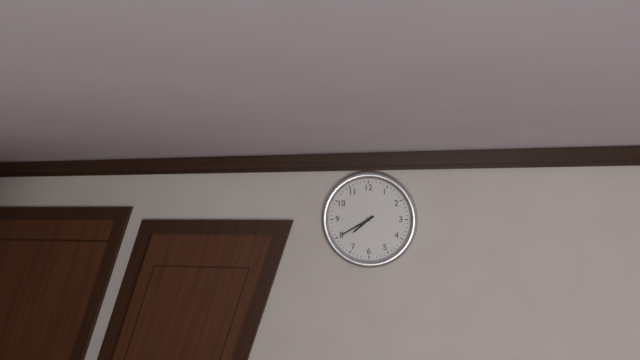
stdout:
h=7 m=40
